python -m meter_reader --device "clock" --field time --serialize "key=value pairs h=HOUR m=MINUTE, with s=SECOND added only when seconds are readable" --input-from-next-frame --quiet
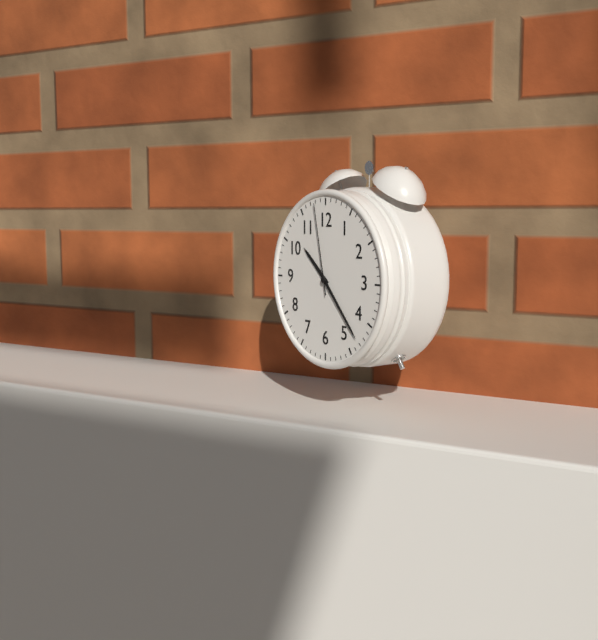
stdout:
h=10 m=23 s=58
